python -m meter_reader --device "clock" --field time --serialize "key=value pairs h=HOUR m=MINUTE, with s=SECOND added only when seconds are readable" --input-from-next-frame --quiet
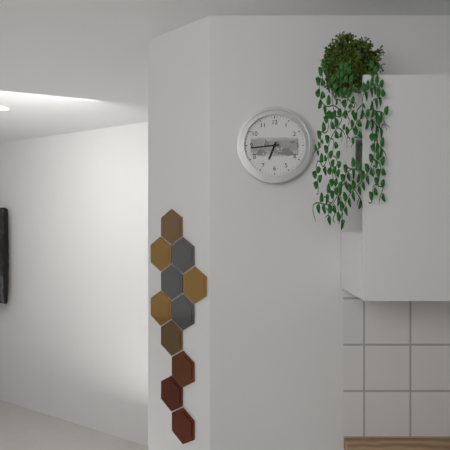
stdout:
h=6 m=44
